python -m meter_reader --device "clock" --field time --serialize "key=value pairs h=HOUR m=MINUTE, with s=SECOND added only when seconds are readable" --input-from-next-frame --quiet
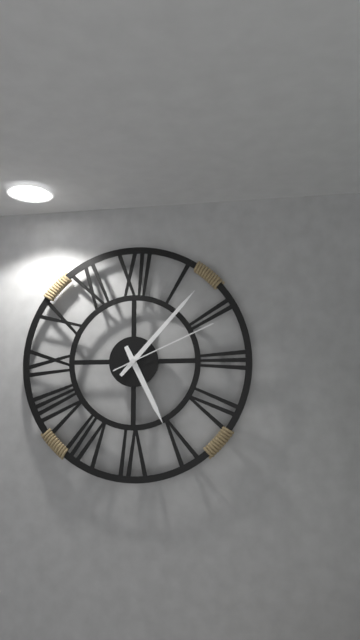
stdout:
h=5 m=7 s=11
